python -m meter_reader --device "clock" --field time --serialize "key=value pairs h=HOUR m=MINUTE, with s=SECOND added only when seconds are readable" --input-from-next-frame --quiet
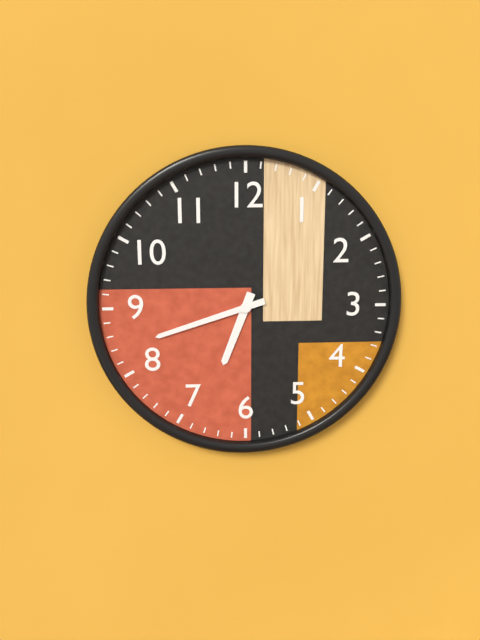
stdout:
h=6 m=42
